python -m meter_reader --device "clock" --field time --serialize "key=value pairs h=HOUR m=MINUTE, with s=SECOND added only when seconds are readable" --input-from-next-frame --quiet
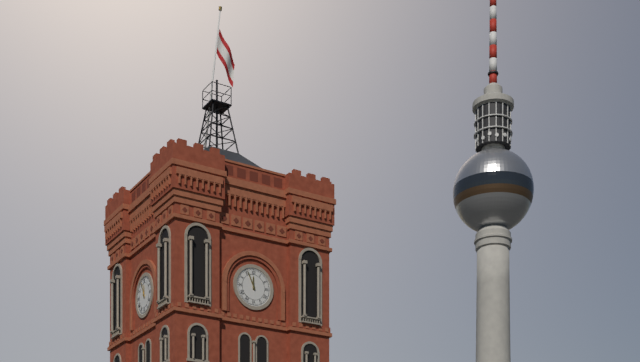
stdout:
h=11 m=56
